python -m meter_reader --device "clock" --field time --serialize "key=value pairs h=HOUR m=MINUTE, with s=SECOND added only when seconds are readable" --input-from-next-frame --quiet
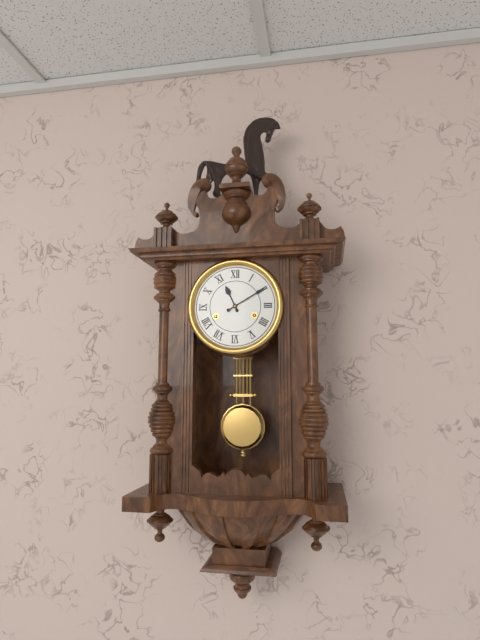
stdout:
h=11 m=10
